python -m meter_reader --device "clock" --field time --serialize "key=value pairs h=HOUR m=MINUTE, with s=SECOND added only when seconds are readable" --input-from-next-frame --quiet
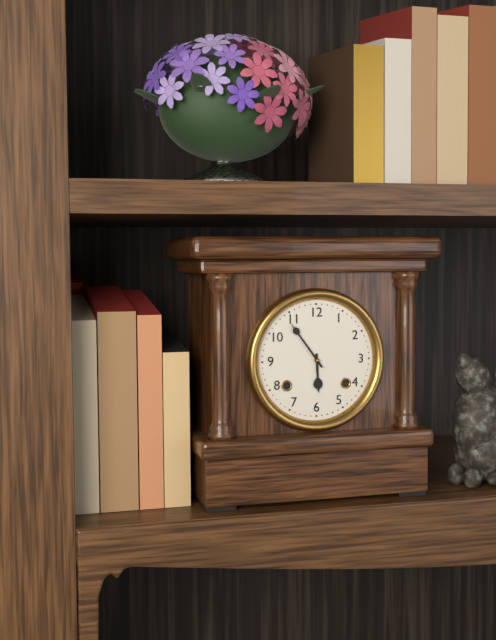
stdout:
h=5 m=54
